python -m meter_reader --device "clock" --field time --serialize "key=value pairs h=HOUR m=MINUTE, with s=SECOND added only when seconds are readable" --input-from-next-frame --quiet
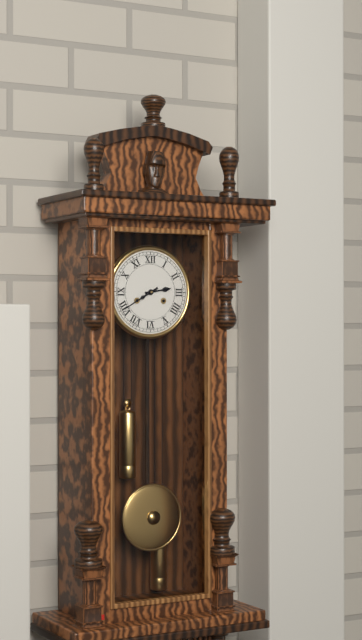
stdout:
h=2 m=40
